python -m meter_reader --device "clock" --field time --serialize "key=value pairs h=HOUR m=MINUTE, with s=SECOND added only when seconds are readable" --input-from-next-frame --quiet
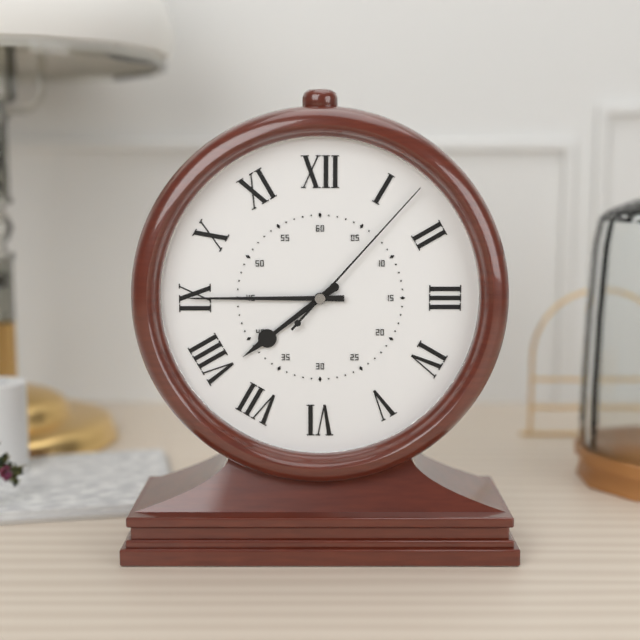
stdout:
h=7 m=45 s=7
